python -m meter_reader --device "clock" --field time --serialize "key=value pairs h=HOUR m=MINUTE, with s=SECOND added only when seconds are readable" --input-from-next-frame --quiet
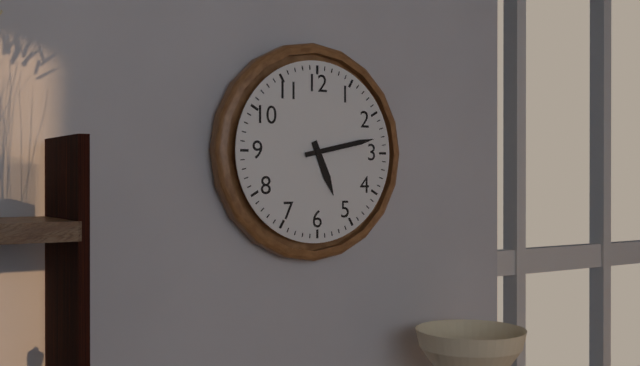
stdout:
h=5 m=13
